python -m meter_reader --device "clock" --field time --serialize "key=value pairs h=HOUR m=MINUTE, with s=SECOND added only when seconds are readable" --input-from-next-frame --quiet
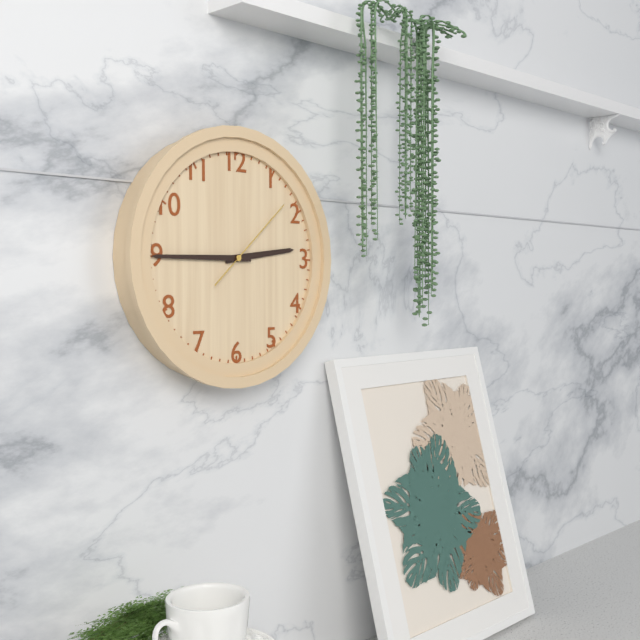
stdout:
h=2 m=45 s=8
